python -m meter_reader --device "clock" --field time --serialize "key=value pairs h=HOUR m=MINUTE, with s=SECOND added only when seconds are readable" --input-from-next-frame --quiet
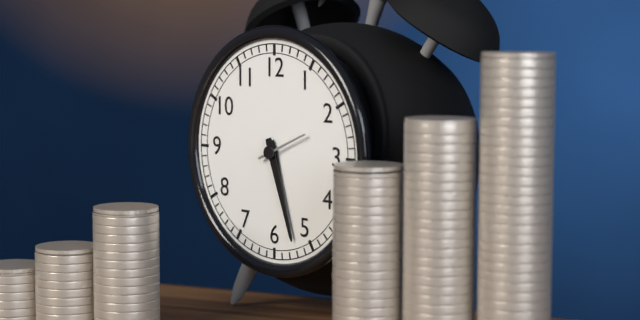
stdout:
h=5 m=27
